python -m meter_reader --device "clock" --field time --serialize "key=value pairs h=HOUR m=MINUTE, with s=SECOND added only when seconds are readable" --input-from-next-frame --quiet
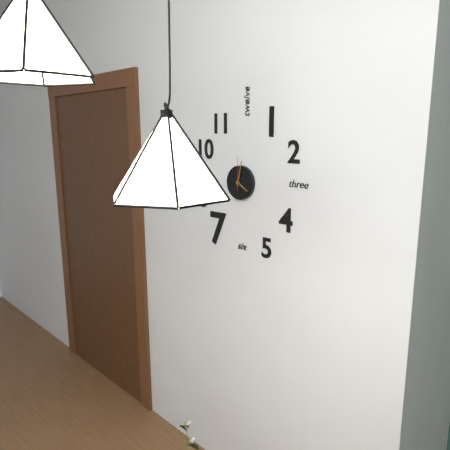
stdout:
h=4 m=2
